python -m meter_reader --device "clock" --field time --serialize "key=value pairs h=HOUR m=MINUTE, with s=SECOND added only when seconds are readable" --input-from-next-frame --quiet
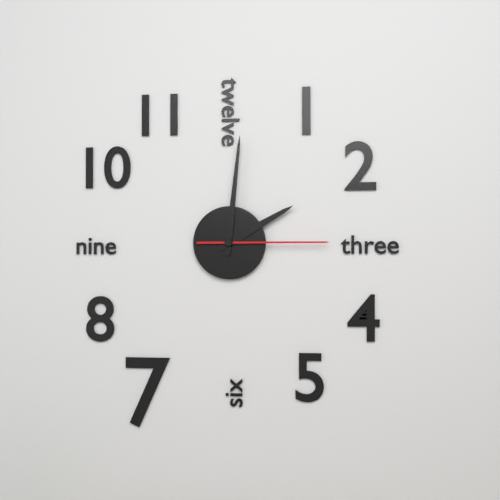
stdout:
h=2 m=1 s=15
